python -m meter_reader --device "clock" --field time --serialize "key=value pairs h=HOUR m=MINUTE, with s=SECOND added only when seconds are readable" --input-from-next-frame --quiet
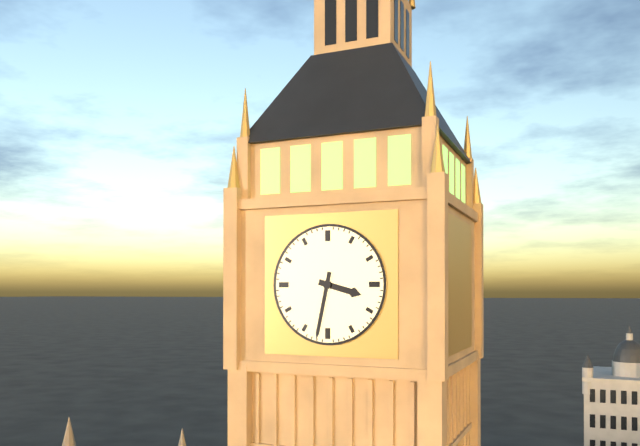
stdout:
h=3 m=32
